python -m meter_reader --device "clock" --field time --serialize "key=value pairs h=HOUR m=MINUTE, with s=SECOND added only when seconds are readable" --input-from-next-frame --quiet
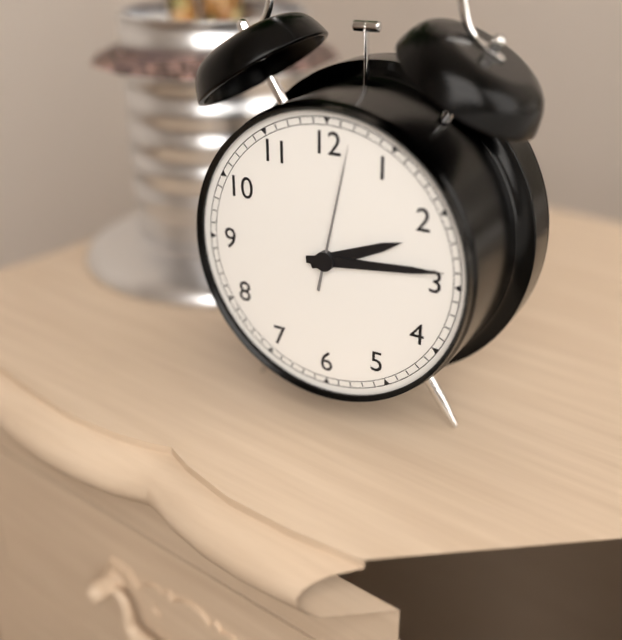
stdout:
h=2 m=14 s=2
